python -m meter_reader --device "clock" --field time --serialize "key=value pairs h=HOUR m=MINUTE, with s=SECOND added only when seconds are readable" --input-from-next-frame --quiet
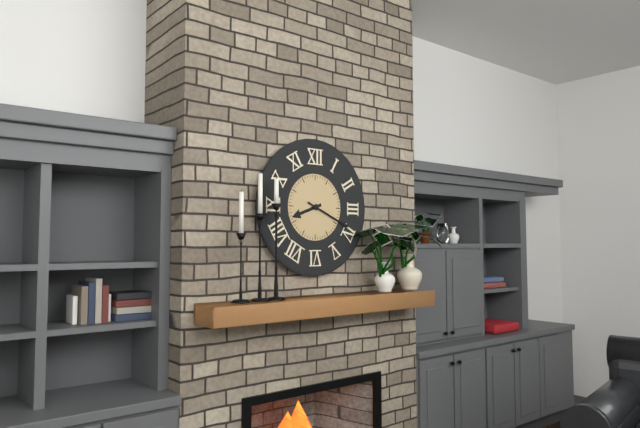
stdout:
h=8 m=19
